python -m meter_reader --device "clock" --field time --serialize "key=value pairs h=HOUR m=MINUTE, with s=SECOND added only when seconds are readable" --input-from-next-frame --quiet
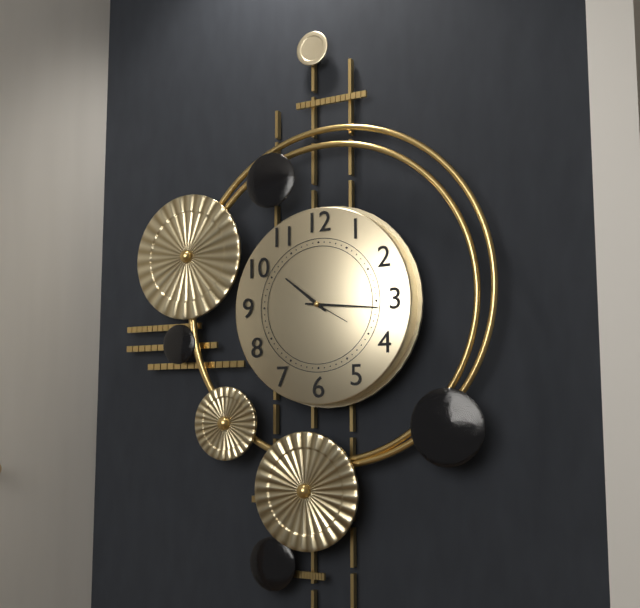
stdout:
h=10 m=16
